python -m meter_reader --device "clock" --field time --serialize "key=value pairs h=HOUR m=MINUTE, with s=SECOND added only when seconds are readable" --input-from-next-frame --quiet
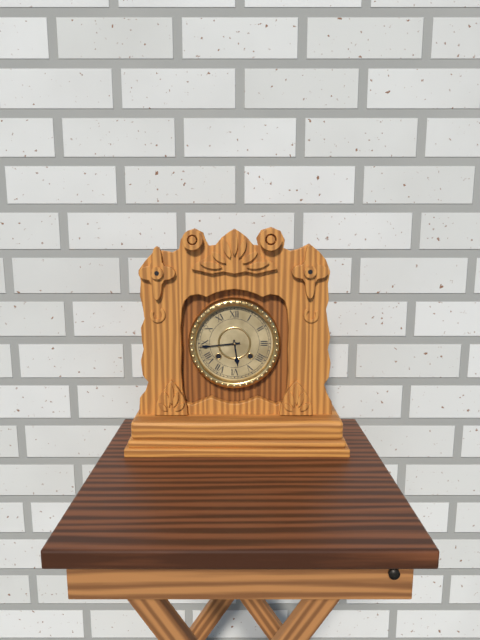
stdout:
h=5 m=44
